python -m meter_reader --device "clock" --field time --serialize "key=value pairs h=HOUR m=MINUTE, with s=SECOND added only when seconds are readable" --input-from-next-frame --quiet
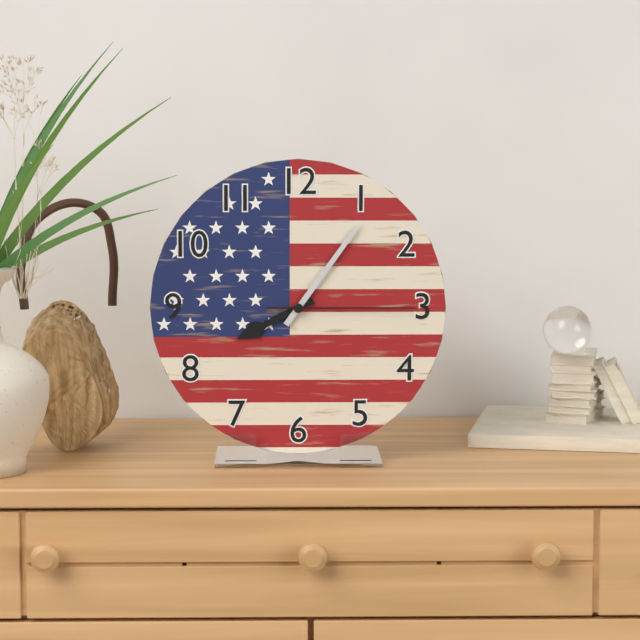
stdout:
h=8 m=6 s=15
